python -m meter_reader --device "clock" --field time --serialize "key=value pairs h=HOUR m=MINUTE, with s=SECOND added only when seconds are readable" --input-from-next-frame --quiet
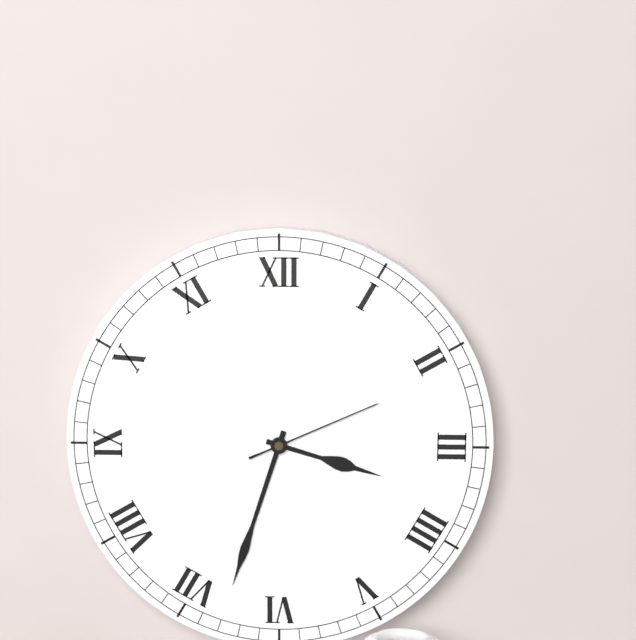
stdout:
h=3 m=33 s=11
